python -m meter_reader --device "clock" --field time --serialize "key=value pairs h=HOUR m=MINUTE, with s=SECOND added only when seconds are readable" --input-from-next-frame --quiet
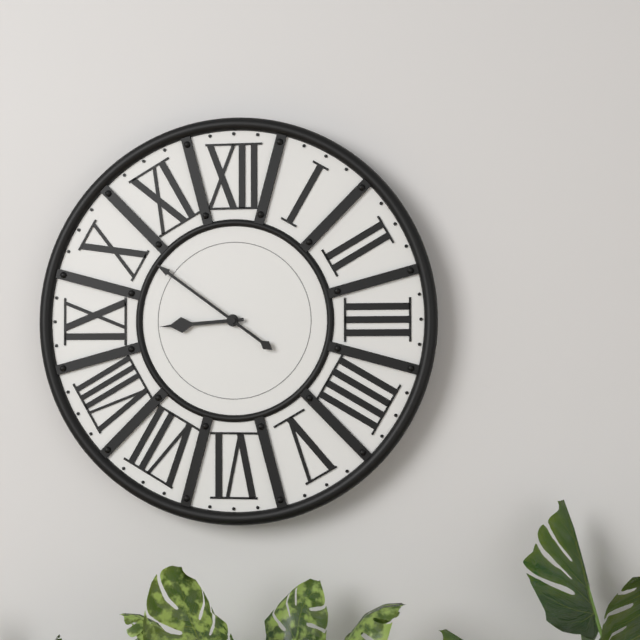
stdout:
h=8 m=51
